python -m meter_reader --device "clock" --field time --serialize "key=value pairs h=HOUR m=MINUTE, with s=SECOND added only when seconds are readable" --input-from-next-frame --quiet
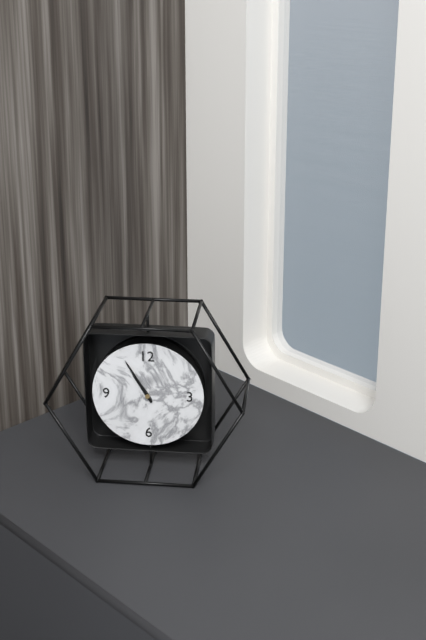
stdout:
h=10 m=55
